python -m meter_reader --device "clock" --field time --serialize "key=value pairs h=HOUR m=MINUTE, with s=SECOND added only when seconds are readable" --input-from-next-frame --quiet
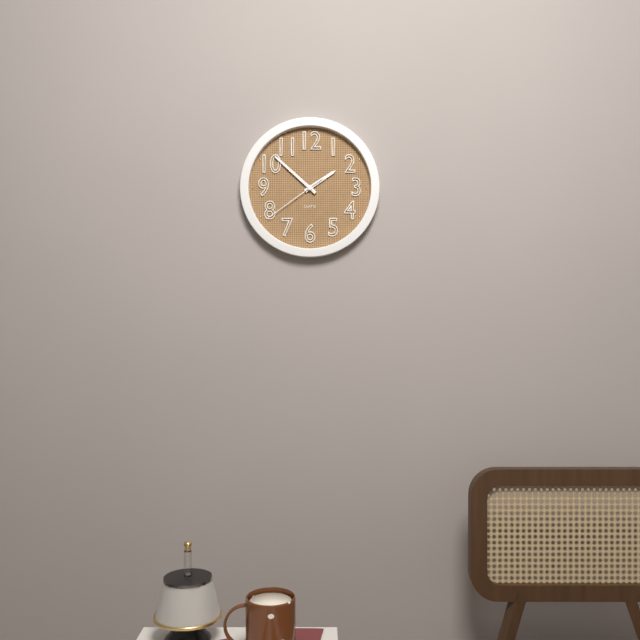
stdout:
h=1 m=52 s=39
